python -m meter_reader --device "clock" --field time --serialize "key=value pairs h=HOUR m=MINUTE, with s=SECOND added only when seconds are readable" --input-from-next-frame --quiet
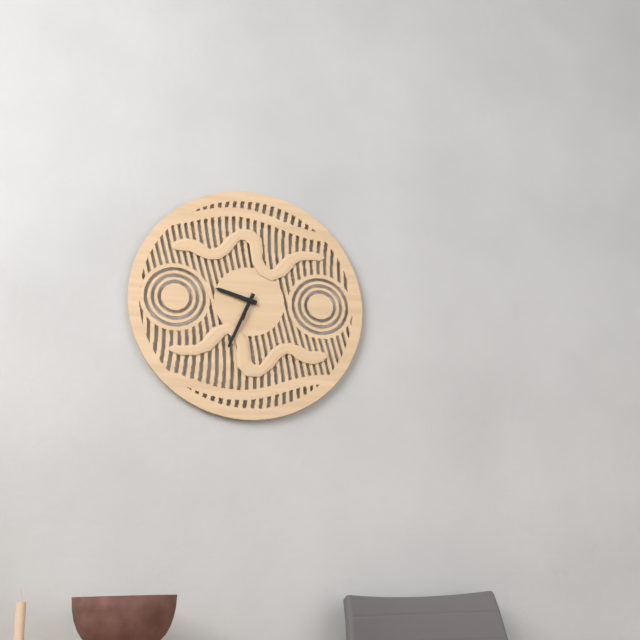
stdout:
h=9 m=34
